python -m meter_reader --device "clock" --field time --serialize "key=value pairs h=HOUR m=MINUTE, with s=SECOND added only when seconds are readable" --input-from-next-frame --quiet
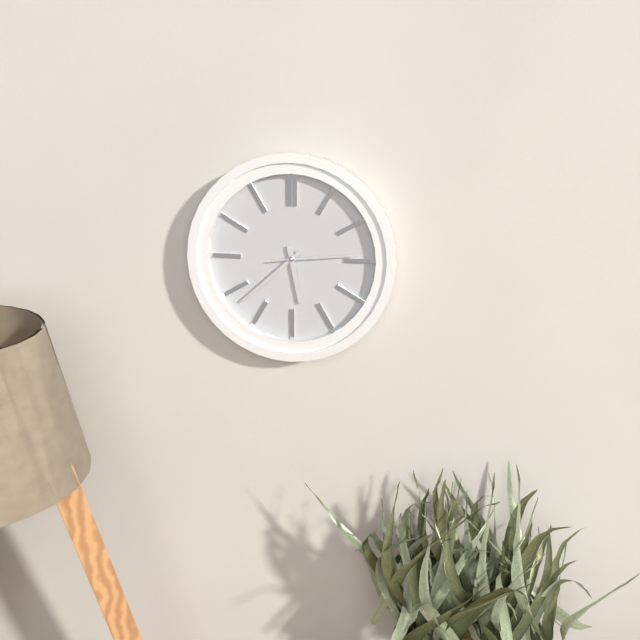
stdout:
h=5 m=38 s=14
